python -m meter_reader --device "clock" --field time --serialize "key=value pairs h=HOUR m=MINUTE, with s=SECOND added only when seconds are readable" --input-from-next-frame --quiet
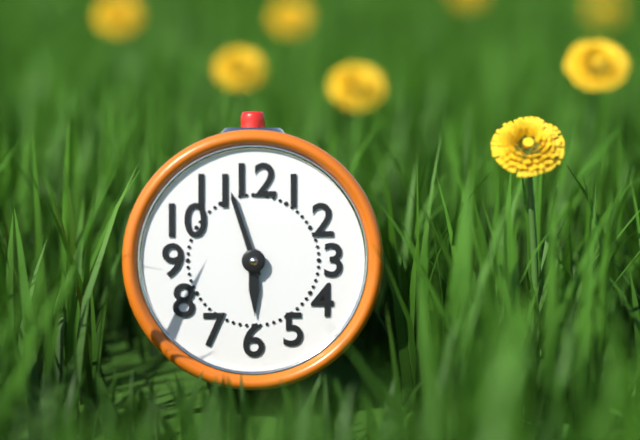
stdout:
h=5 m=57
